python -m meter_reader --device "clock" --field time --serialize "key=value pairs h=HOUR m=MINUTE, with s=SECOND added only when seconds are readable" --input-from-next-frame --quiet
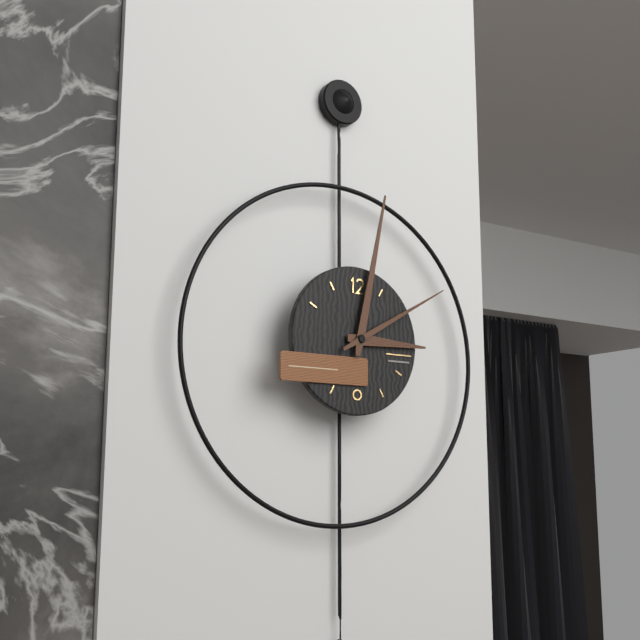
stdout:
h=3 m=2 s=10
